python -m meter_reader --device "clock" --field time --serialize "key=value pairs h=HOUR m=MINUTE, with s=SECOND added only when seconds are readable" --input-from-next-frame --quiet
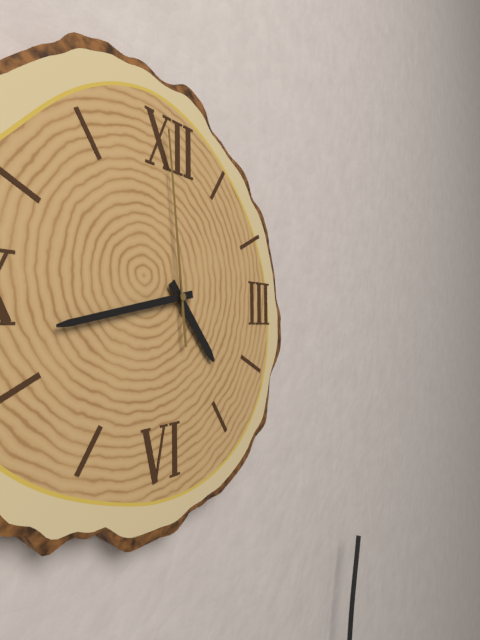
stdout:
h=4 m=43 s=59
